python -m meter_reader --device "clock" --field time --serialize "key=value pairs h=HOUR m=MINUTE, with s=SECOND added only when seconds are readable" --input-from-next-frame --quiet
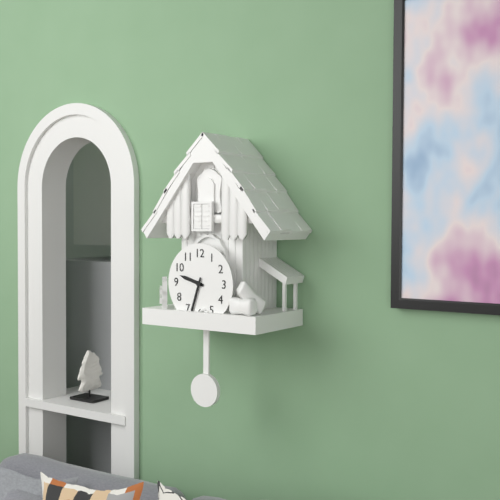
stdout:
h=9 m=33
